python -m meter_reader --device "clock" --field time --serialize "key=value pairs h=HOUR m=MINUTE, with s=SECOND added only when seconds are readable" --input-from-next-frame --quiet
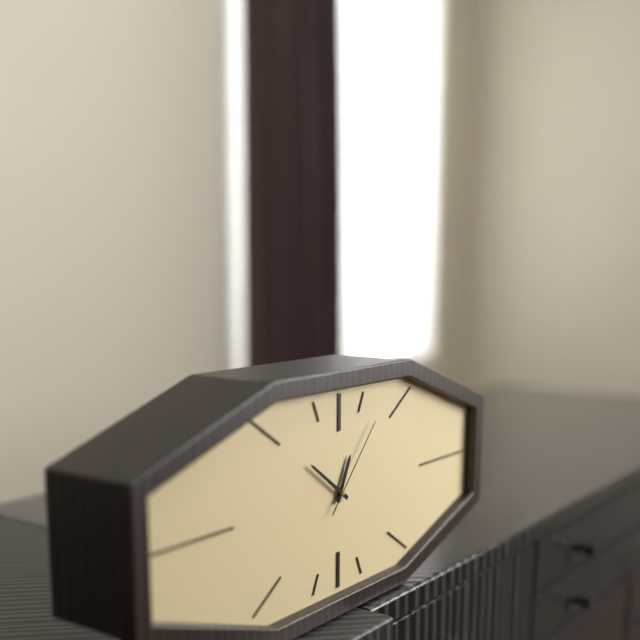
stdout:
h=12 m=51 s=7
